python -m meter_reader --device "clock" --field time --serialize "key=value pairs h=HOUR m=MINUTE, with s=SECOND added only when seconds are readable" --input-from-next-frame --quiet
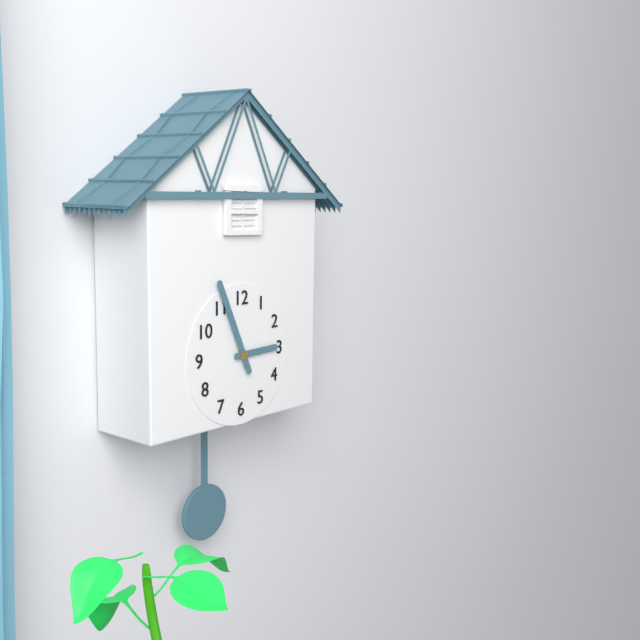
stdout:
h=2 m=56
